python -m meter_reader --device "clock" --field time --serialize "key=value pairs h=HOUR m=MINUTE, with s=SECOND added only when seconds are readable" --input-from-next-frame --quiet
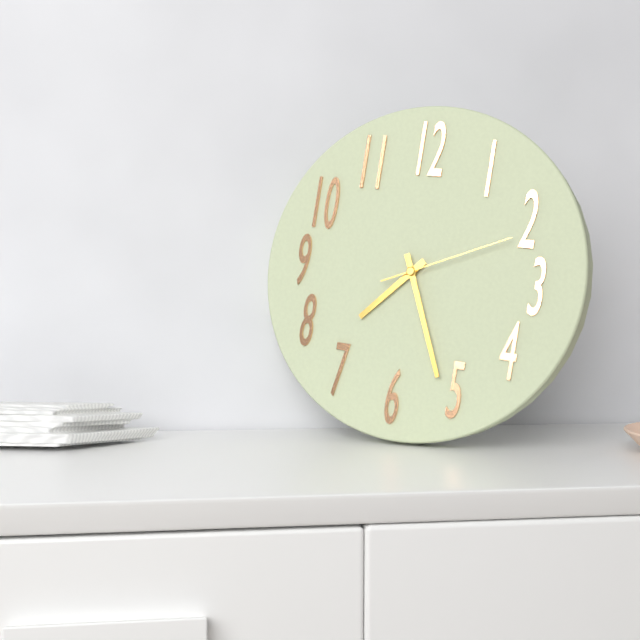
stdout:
h=7 m=26 s=11
